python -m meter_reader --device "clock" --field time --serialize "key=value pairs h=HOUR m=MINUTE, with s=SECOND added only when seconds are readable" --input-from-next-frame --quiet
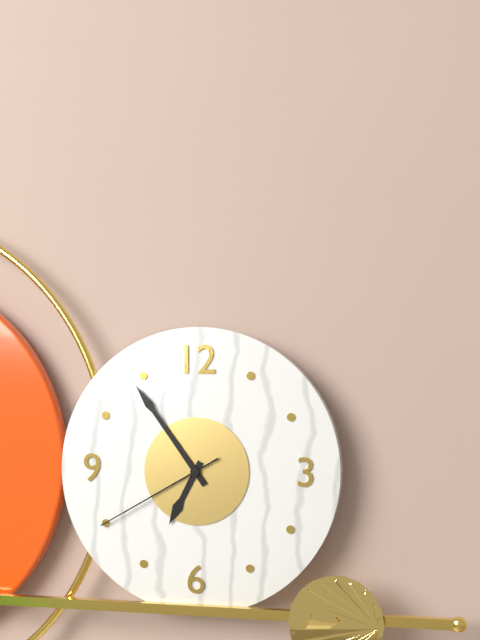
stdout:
h=6 m=54 s=40
